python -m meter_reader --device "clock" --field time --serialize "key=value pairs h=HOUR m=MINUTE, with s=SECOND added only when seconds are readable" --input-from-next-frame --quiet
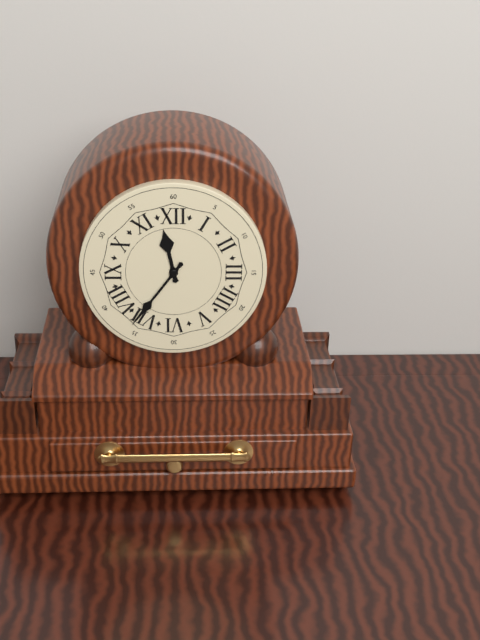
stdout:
h=11 m=36
